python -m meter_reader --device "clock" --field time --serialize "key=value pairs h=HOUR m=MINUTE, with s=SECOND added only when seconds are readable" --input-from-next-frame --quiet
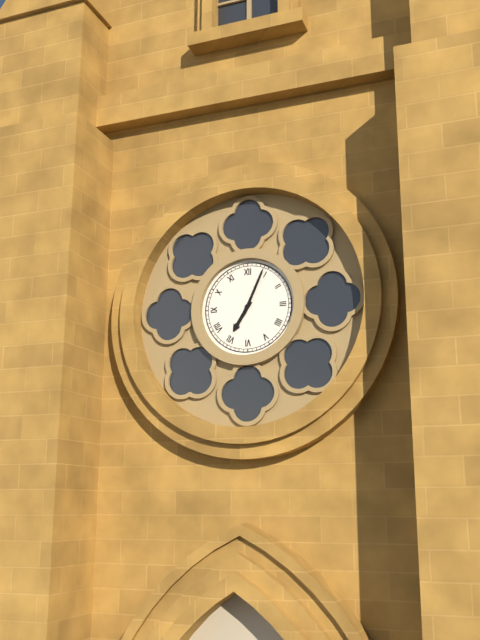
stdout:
h=7 m=4
